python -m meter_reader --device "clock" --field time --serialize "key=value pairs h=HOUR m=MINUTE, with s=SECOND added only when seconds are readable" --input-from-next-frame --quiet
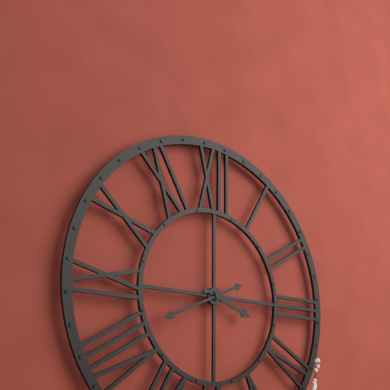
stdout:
h=3 m=41
